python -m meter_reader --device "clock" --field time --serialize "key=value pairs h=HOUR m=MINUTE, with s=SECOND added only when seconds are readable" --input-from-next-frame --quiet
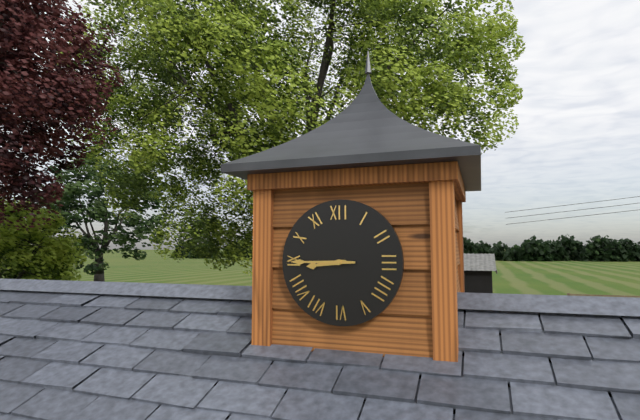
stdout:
h=8 m=45
